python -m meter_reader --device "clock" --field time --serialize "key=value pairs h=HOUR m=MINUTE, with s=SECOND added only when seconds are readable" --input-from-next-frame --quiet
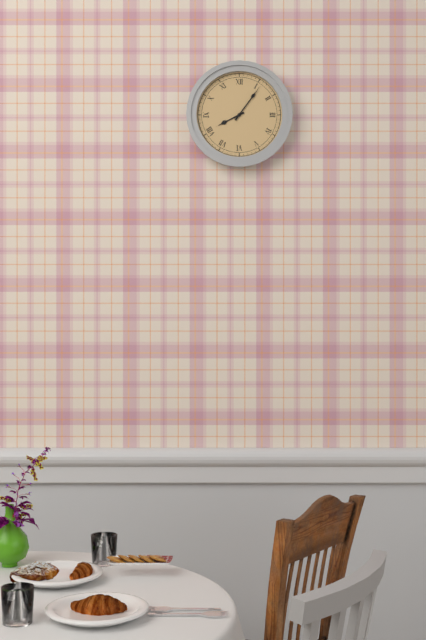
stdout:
h=8 m=6
